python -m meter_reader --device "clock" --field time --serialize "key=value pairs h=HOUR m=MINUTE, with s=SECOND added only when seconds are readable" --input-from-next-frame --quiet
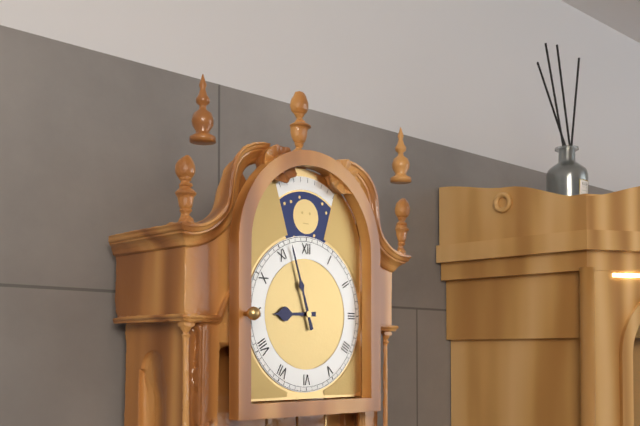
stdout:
h=8 m=57
